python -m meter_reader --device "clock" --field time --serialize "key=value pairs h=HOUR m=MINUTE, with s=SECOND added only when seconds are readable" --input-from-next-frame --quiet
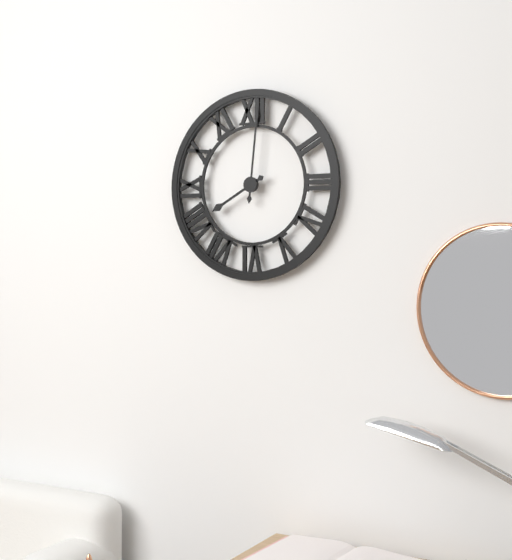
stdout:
h=8 m=1
